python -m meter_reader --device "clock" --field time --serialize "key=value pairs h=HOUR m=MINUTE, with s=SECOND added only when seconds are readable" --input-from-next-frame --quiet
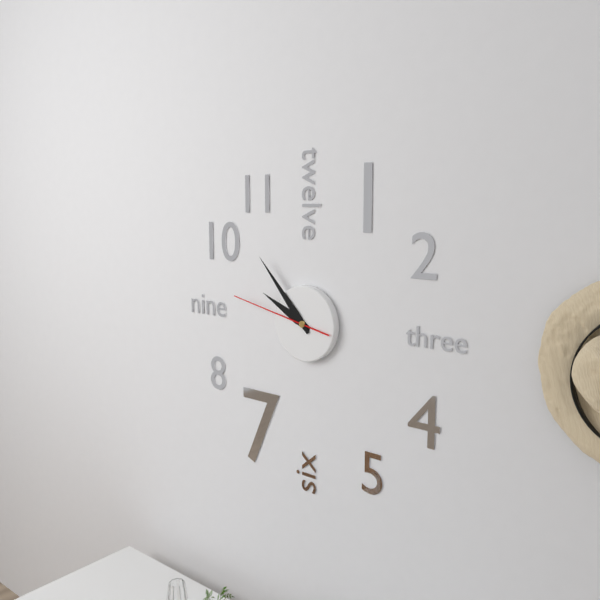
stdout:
h=9 m=53 s=47
